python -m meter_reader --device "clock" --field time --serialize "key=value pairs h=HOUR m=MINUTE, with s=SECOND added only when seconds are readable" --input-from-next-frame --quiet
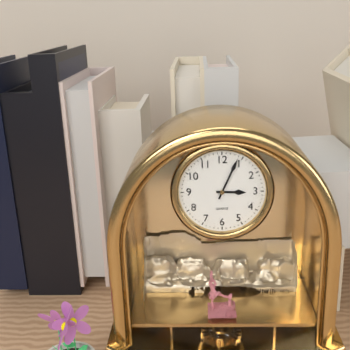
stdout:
h=3 m=4
